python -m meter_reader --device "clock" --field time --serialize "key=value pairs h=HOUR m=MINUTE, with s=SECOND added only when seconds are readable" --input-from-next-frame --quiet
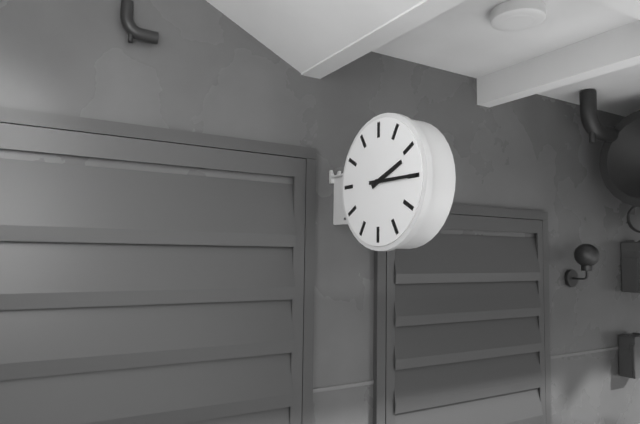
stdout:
h=2 m=15
